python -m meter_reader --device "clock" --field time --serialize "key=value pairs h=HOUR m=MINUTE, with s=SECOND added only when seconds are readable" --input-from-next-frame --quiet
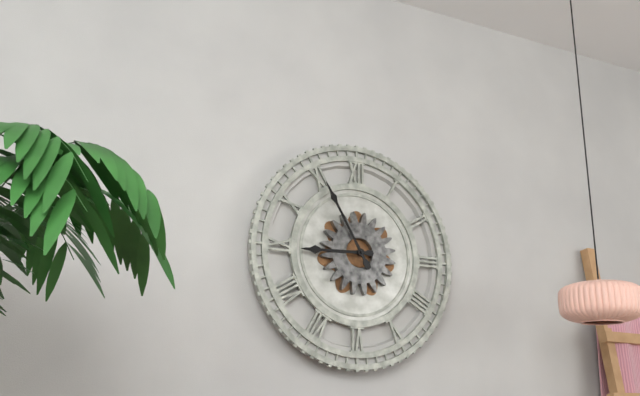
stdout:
h=8 m=55
